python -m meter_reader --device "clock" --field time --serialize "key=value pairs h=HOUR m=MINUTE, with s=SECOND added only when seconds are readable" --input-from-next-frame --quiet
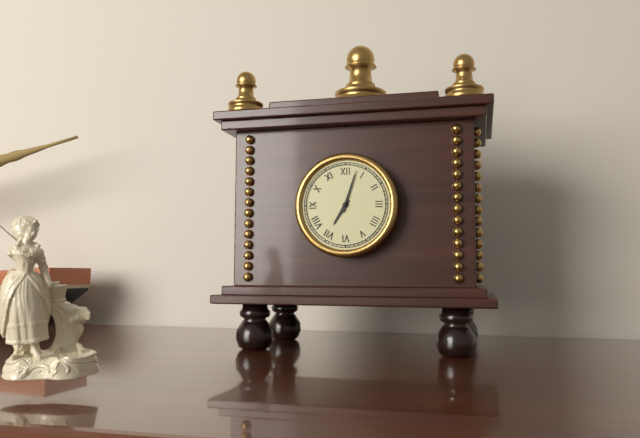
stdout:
h=7 m=3
